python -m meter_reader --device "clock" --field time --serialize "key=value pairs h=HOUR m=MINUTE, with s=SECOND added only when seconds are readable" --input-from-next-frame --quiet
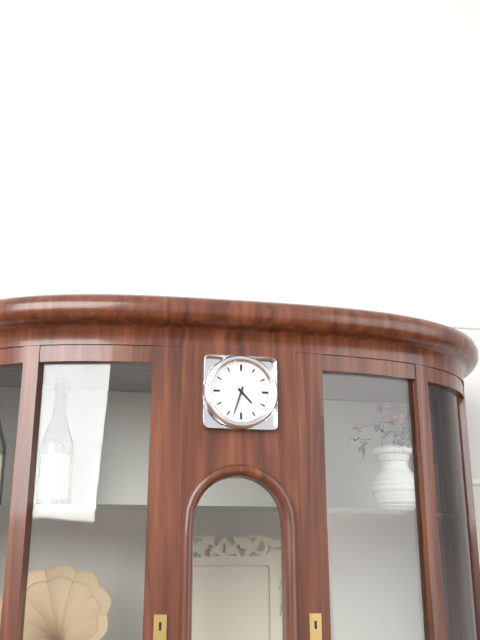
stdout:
h=4 m=33
